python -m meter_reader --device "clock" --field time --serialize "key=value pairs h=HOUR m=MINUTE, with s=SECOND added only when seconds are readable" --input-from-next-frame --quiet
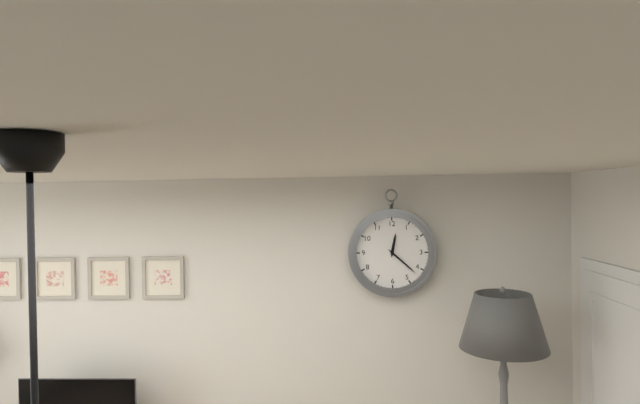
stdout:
h=12 m=22
